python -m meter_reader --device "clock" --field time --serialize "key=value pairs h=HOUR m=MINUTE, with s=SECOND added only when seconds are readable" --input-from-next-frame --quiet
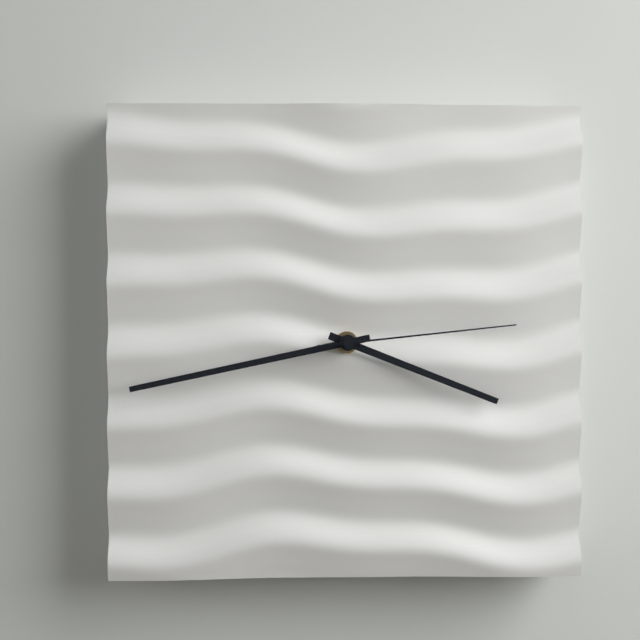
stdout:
h=3 m=43 s=14
